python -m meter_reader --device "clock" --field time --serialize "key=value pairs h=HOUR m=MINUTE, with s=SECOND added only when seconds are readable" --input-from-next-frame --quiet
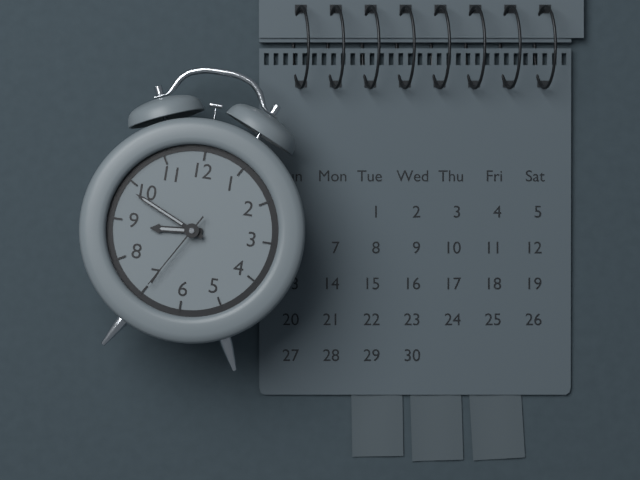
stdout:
h=8 m=49 s=35
